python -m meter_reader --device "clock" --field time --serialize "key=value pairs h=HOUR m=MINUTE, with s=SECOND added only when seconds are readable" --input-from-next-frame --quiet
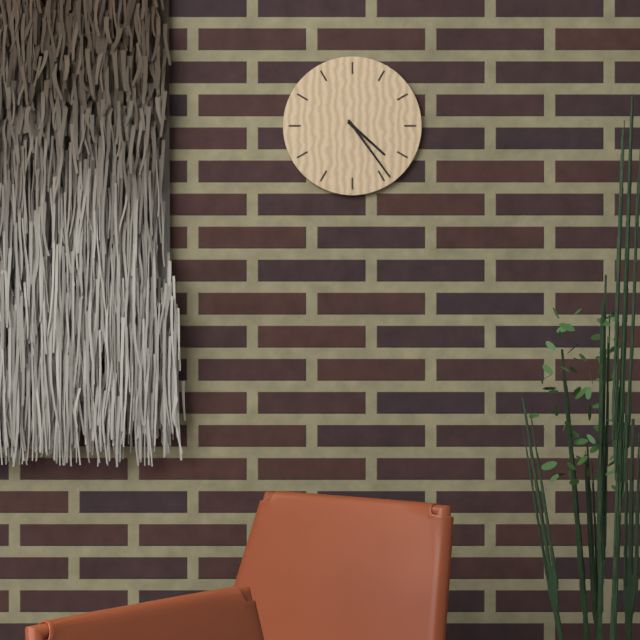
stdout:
h=4 m=24
